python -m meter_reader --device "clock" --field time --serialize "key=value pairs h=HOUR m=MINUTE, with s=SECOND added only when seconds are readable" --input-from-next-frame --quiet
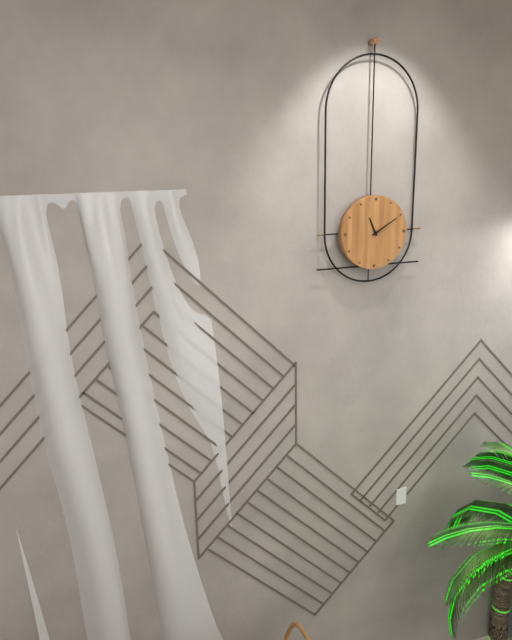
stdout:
h=11 m=10
